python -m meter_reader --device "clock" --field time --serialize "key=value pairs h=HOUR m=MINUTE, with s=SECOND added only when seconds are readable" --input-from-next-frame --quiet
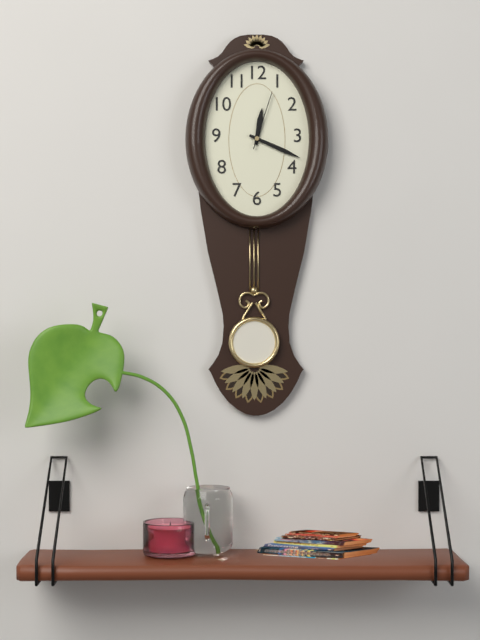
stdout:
h=12 m=19 s=3
